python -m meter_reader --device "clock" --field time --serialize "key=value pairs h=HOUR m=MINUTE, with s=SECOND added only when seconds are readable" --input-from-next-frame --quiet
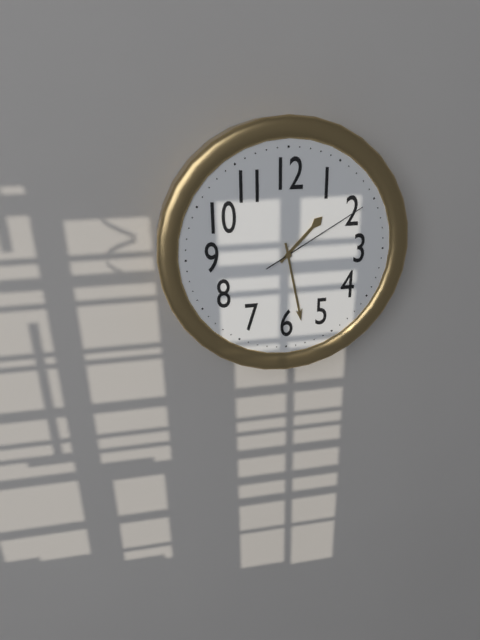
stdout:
h=1 m=28 s=10
